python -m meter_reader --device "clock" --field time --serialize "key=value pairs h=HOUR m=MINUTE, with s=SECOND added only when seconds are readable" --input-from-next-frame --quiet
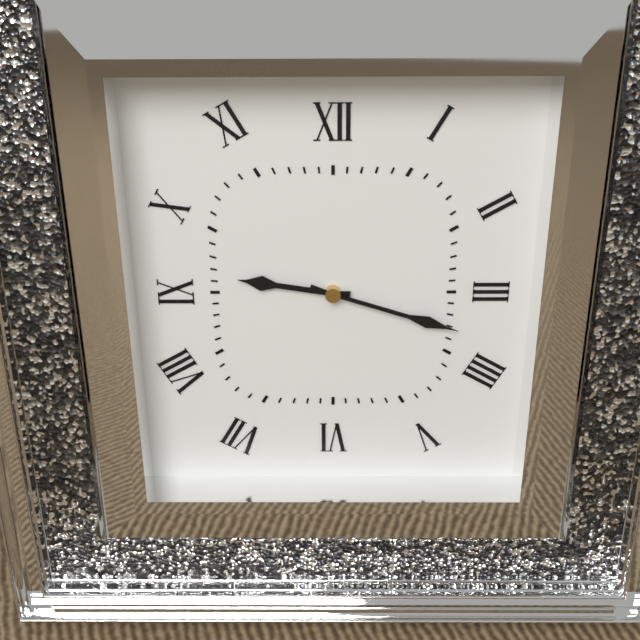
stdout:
h=9 m=18
